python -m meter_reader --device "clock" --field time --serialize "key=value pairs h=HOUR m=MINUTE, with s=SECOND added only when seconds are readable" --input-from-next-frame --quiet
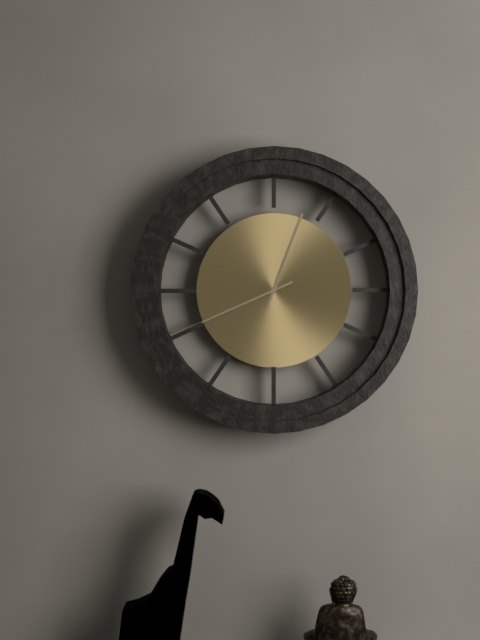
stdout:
h=12 m=41
